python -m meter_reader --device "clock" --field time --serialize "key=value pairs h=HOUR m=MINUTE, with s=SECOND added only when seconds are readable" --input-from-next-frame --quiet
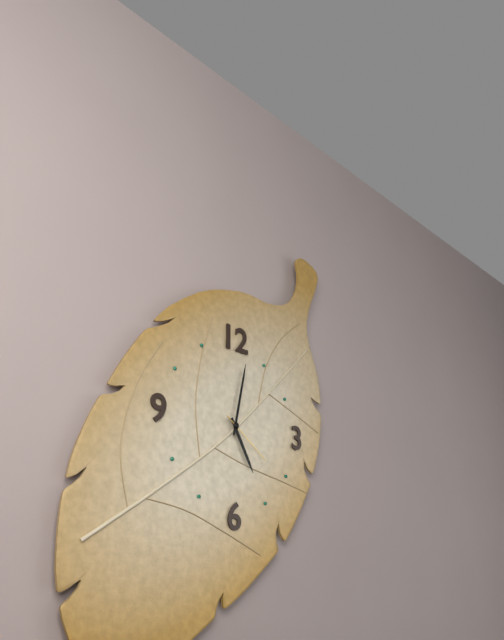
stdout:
h=5 m=2 s=21
